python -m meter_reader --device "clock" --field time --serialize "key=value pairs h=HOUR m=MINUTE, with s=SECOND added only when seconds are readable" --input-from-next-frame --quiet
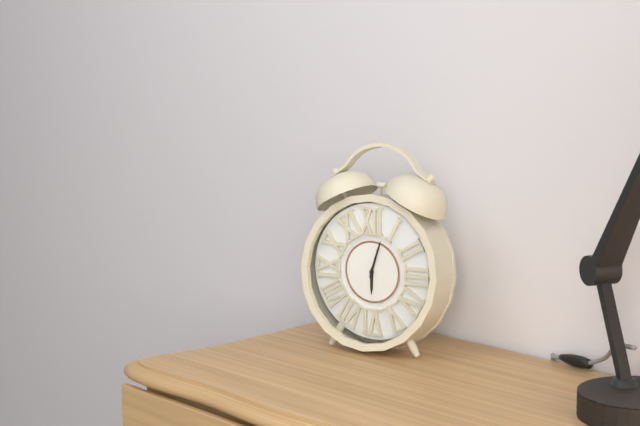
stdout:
h=6 m=3
